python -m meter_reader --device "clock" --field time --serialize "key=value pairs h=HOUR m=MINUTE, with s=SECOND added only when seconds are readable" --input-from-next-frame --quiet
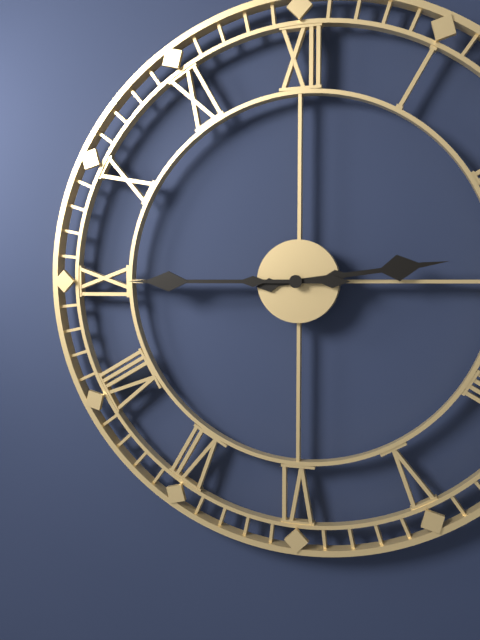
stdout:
h=2 m=45
